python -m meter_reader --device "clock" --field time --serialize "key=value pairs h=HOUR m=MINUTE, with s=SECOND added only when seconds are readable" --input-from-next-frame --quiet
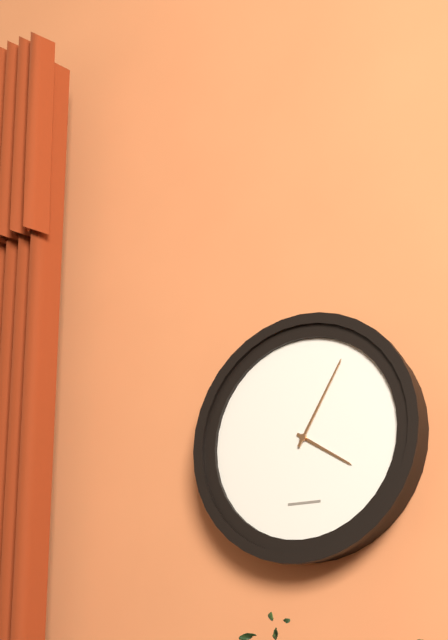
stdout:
h=4 m=5
